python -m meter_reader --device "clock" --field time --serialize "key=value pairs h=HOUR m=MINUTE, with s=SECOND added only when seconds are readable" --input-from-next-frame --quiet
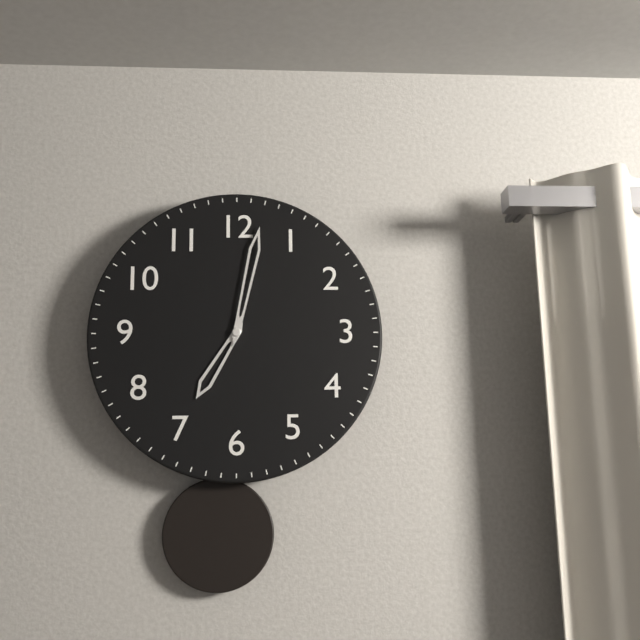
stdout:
h=7 m=2
